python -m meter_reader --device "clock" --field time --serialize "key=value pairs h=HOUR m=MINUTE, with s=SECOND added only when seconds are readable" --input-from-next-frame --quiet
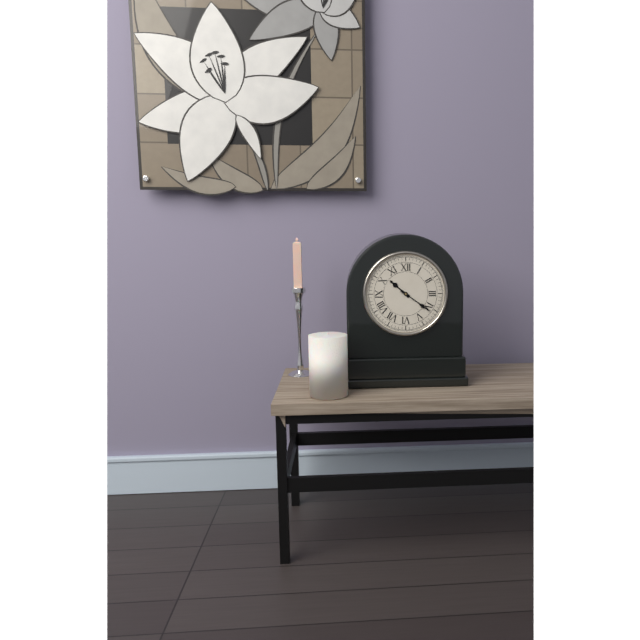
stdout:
h=10 m=21
